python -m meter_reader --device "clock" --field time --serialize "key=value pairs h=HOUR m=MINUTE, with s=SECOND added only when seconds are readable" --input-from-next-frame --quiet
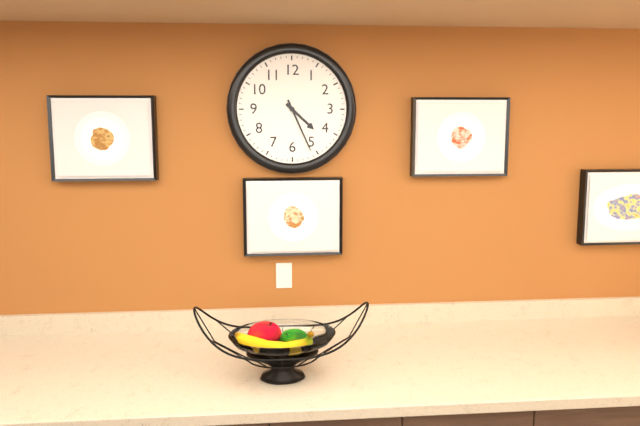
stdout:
h=4 m=26
